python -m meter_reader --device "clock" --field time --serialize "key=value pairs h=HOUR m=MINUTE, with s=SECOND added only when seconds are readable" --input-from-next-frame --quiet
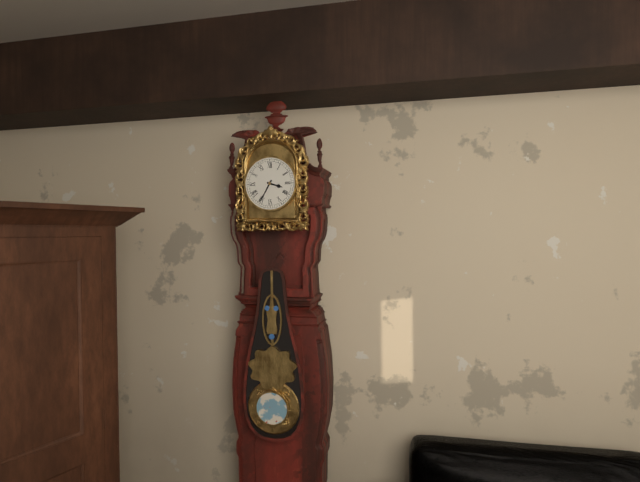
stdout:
h=3 m=35
